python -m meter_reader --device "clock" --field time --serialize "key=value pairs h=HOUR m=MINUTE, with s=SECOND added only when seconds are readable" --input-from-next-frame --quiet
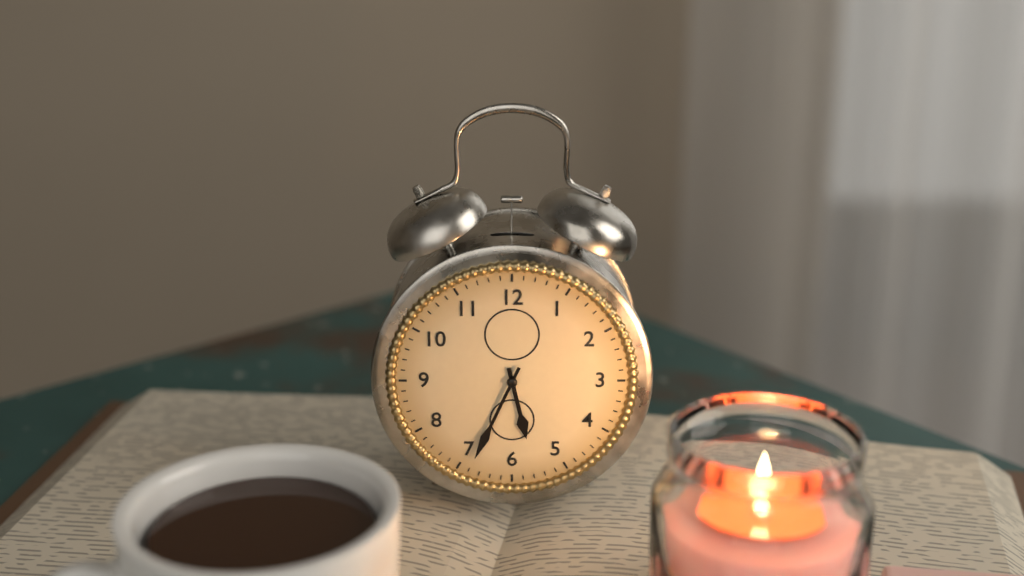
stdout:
h=5 m=34
